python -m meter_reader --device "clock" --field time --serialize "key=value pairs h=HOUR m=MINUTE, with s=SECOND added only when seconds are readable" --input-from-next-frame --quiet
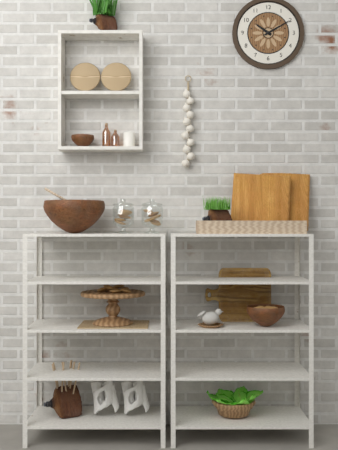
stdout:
h=10 m=10
